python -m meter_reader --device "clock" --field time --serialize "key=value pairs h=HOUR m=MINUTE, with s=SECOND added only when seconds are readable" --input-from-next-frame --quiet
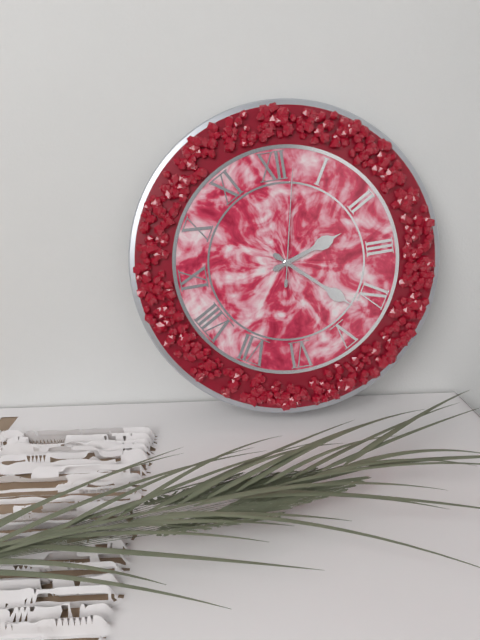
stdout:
h=2 m=22 s=2
